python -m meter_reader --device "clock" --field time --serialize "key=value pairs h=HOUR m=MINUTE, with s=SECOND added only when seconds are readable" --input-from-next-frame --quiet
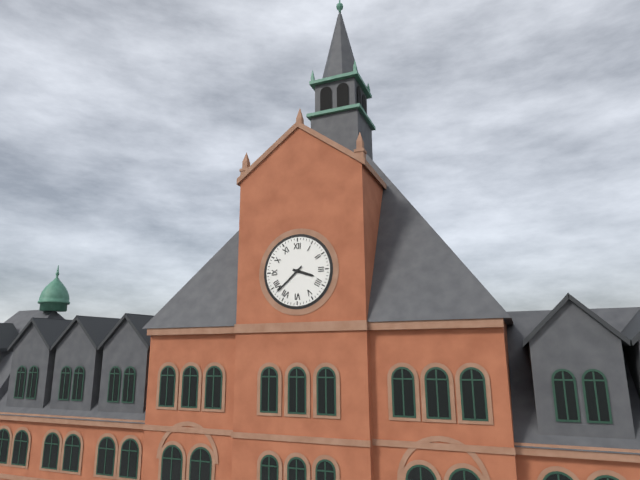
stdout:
h=3 m=38
